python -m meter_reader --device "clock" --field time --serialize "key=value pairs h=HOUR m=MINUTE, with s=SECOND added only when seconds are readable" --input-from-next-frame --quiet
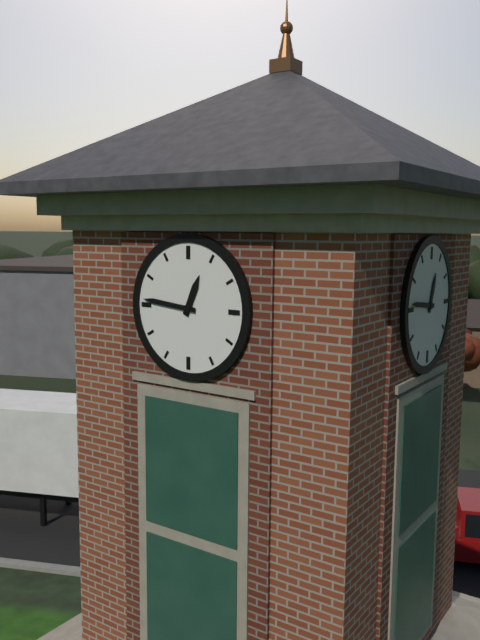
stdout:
h=12 m=46
